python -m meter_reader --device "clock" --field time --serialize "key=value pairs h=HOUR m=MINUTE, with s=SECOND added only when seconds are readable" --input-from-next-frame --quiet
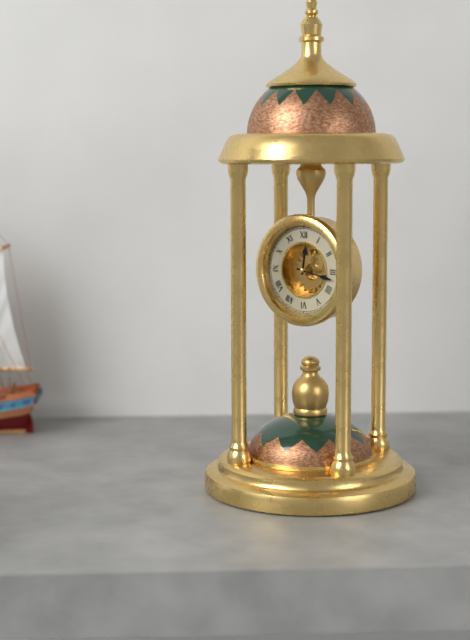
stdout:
h=12 m=17
